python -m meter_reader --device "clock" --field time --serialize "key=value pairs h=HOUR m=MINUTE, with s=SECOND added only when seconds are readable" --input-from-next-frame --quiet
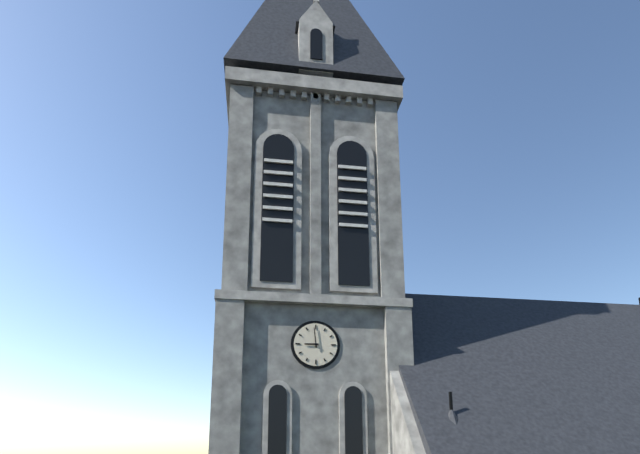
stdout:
h=8 m=59
